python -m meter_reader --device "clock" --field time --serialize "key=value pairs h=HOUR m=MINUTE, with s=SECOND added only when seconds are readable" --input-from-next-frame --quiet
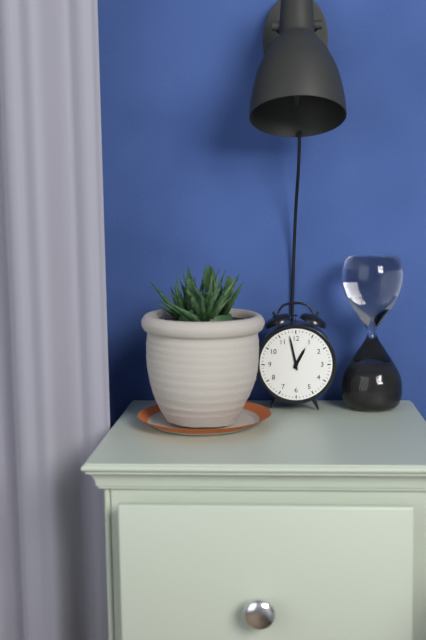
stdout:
h=12 m=58
